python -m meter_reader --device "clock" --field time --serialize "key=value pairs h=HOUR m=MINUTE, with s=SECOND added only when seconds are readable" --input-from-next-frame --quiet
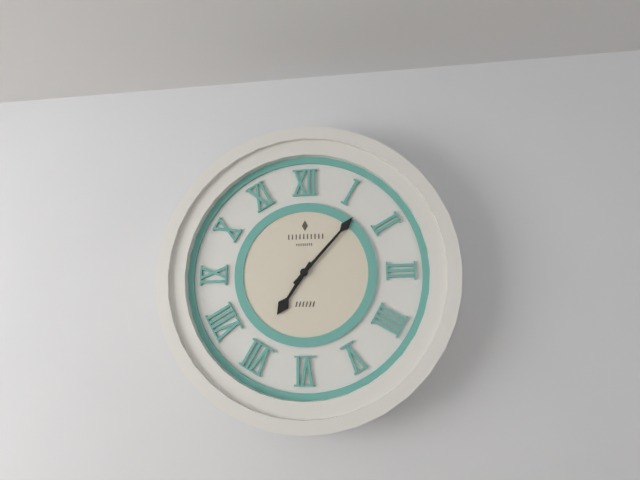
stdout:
h=7 m=7
